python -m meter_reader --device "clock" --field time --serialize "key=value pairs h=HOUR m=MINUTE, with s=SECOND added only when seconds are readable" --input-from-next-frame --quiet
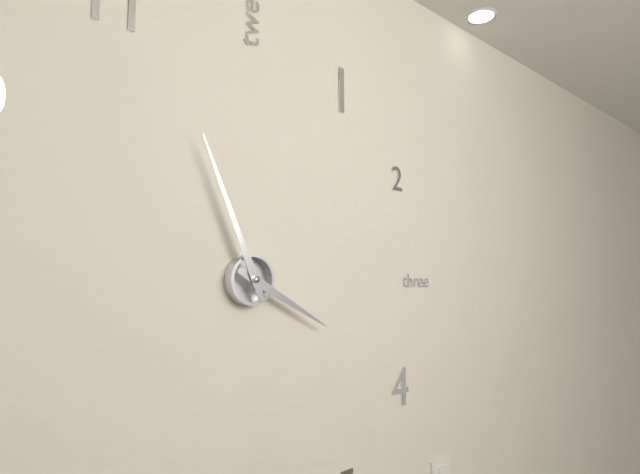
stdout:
h=3 m=56
